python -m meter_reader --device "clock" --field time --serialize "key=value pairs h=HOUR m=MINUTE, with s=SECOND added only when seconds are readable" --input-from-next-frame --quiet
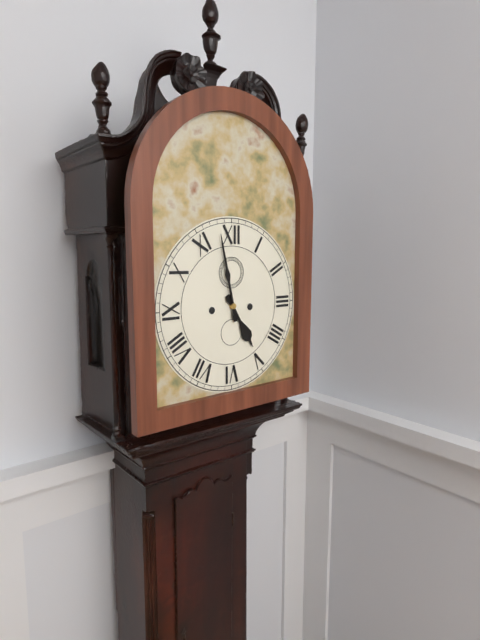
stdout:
h=4 m=58
